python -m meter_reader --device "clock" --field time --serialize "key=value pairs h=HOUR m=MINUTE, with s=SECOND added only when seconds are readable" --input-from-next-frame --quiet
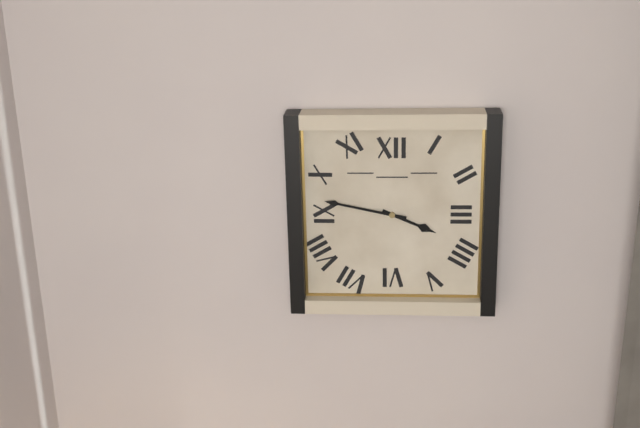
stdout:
h=3 m=47
